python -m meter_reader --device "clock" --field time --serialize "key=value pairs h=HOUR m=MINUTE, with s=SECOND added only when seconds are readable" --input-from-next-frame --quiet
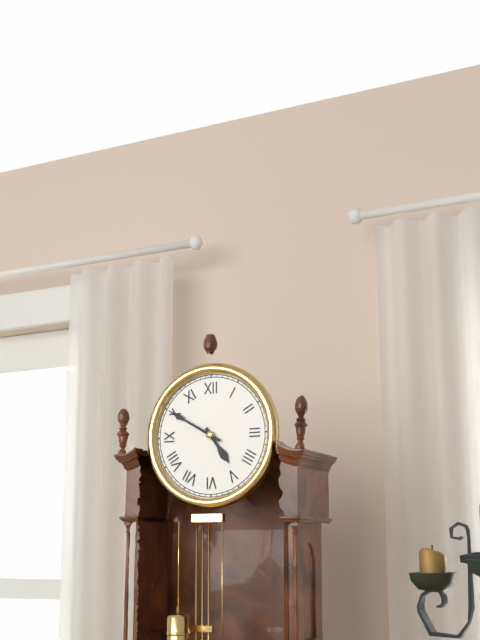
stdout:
h=4 m=50
